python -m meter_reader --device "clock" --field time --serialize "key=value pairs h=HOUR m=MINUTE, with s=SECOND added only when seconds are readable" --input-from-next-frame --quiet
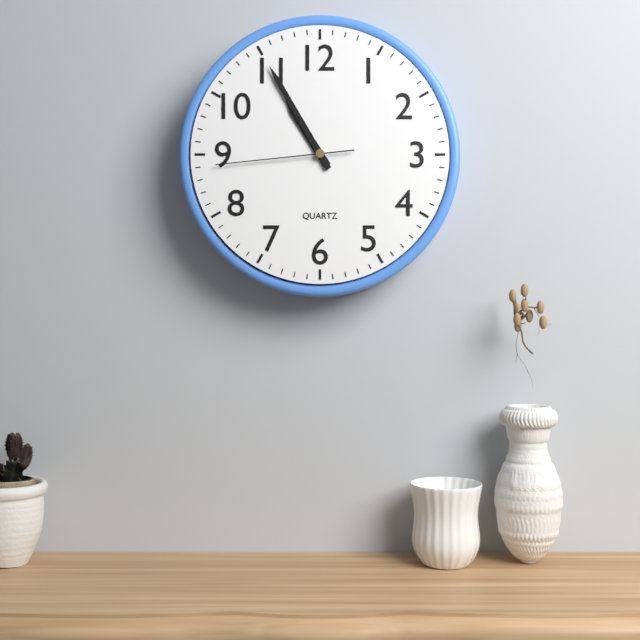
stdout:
h=10 m=55 s=44
